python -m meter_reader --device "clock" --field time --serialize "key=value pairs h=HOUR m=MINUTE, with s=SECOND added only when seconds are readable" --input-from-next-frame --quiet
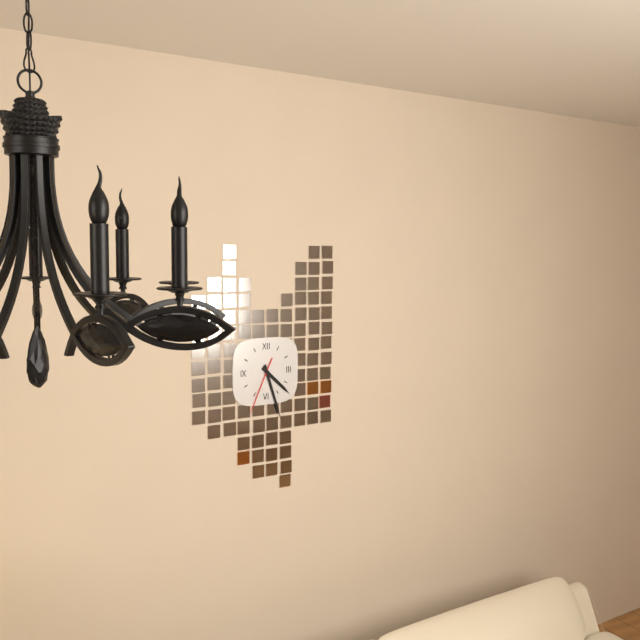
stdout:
h=4 m=27 s=34
